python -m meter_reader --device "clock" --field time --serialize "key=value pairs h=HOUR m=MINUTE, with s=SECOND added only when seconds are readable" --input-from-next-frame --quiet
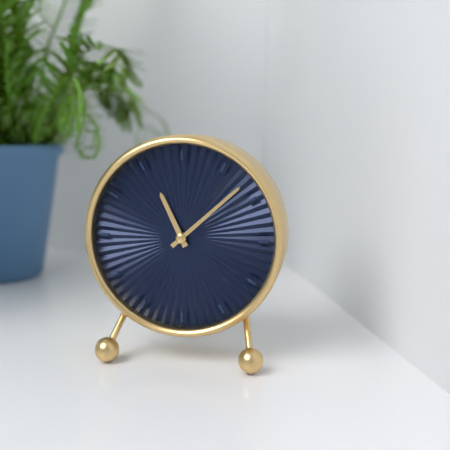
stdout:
h=11 m=8
